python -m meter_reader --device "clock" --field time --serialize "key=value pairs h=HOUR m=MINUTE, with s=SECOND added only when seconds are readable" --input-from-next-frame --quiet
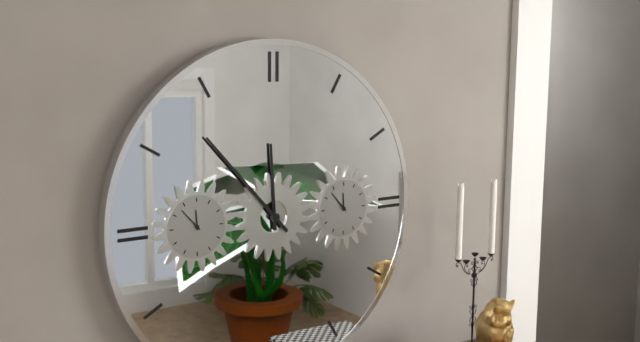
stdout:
h=11 m=53
